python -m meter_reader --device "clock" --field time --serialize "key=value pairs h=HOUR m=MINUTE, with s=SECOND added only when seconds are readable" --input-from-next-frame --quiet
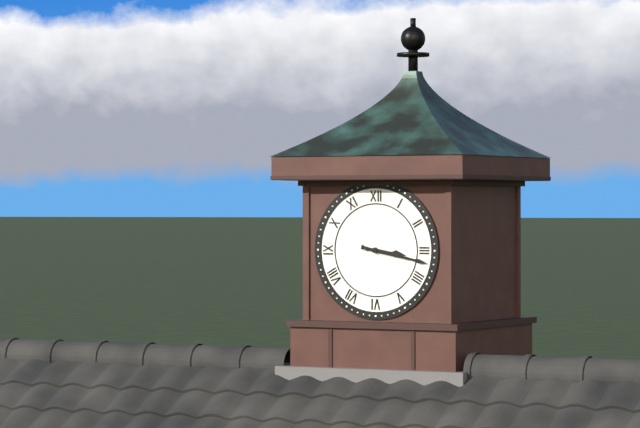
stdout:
h=3 m=17
